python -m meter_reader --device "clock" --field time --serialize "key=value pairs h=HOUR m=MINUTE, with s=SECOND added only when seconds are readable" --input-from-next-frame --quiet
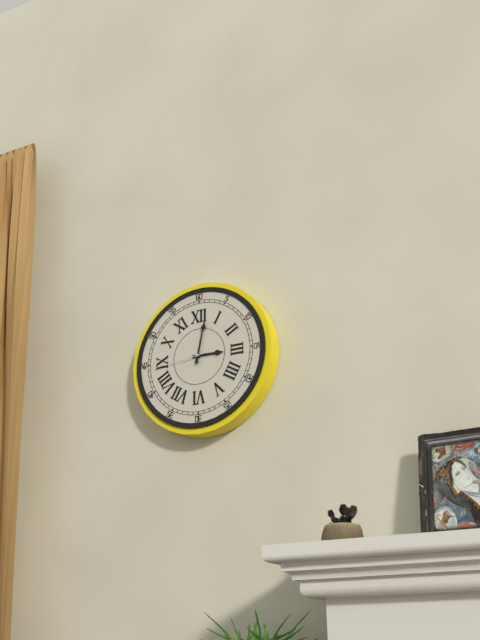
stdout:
h=3 m=2 s=44
